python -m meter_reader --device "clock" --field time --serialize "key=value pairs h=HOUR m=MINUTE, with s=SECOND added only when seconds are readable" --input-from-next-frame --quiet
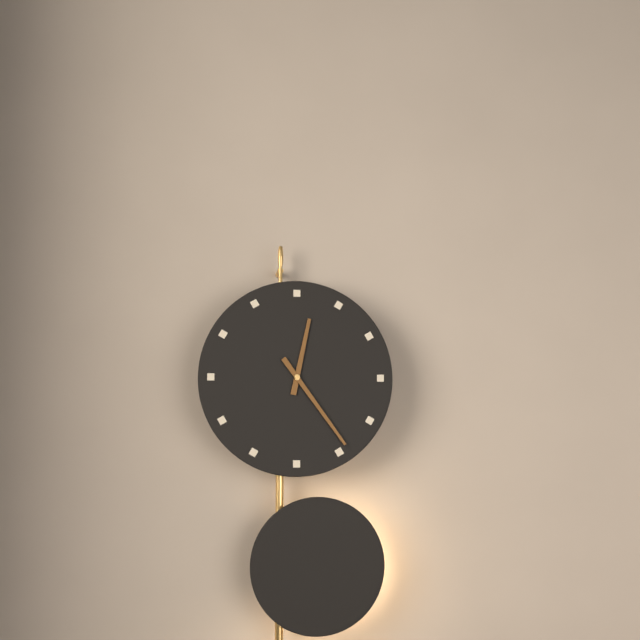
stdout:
h=12 m=24
